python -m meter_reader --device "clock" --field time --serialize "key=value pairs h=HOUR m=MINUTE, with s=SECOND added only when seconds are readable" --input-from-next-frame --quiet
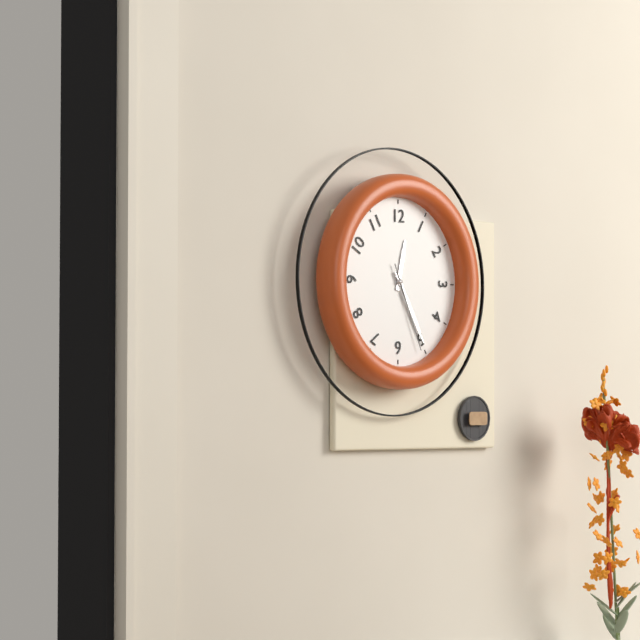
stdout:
h=12 m=25 s=26
